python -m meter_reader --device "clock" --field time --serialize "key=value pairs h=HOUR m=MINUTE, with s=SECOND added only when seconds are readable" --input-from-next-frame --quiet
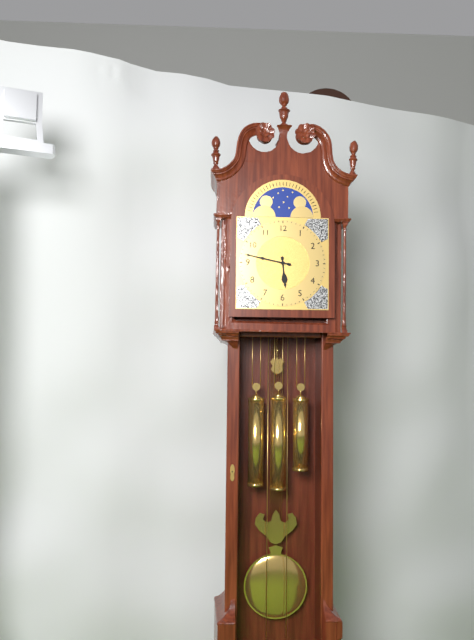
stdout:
h=5 m=47
